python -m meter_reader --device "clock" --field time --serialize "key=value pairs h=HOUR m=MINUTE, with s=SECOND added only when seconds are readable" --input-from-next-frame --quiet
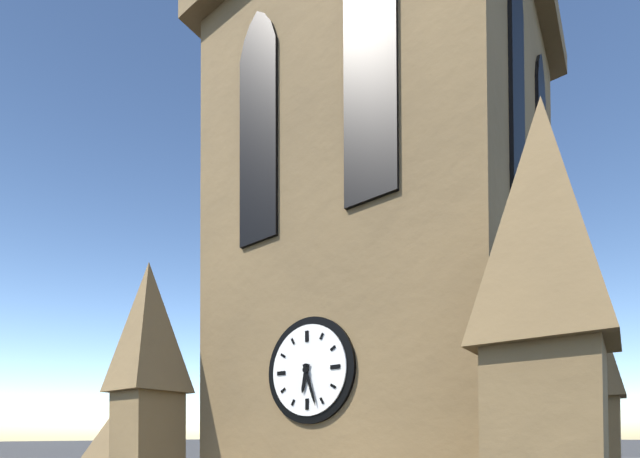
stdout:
h=6 m=27
